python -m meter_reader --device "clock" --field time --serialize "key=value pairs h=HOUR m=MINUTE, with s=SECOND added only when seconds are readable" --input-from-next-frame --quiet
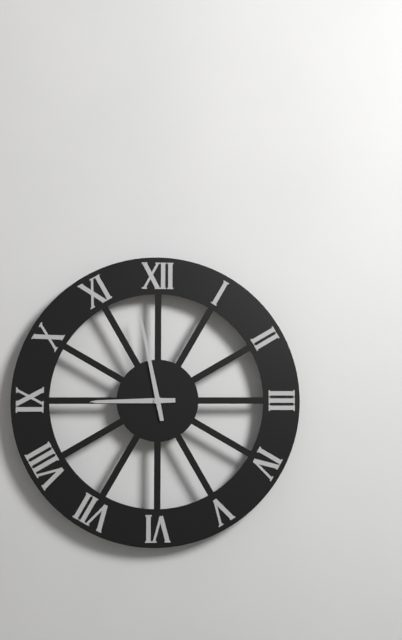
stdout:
h=8 m=58
